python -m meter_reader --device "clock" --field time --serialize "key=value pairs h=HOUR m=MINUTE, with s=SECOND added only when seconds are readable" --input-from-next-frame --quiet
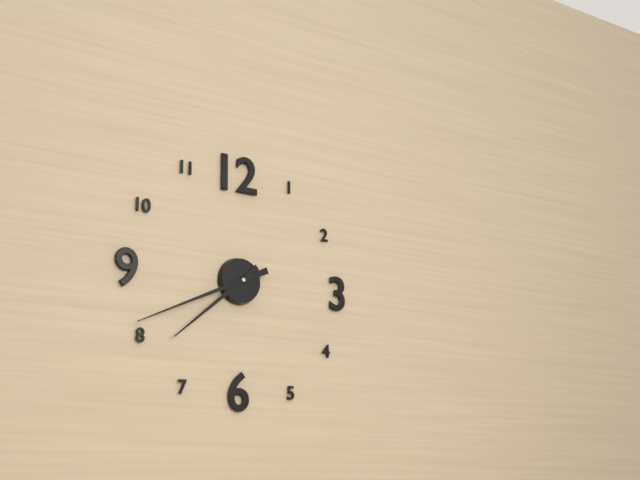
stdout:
h=7 m=41
